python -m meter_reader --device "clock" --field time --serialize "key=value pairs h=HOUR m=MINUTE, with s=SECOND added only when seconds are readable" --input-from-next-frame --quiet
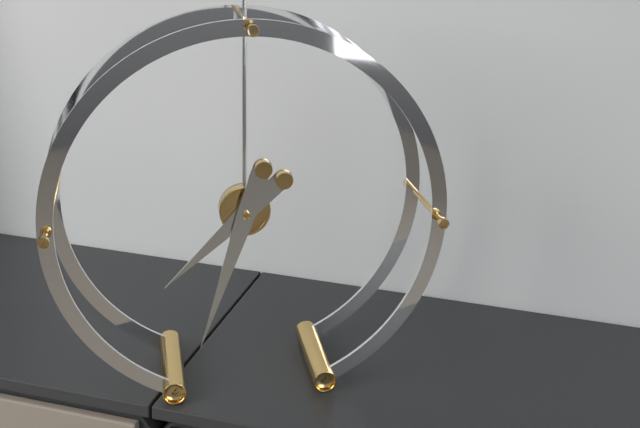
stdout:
h=7 m=33
